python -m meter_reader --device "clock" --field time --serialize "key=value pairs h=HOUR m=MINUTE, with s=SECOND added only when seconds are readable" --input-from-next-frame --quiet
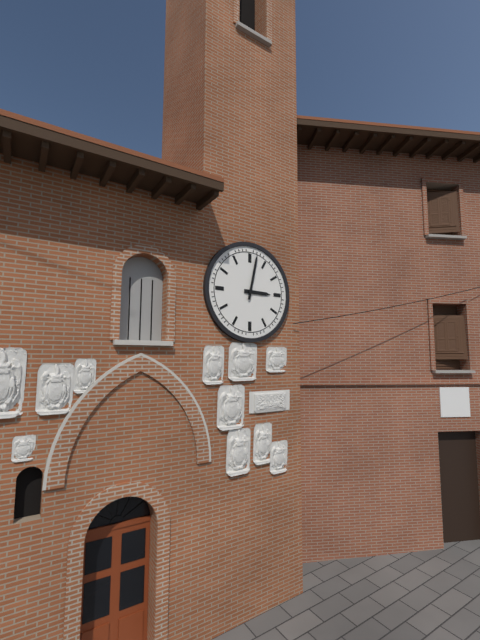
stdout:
h=3 m=2
